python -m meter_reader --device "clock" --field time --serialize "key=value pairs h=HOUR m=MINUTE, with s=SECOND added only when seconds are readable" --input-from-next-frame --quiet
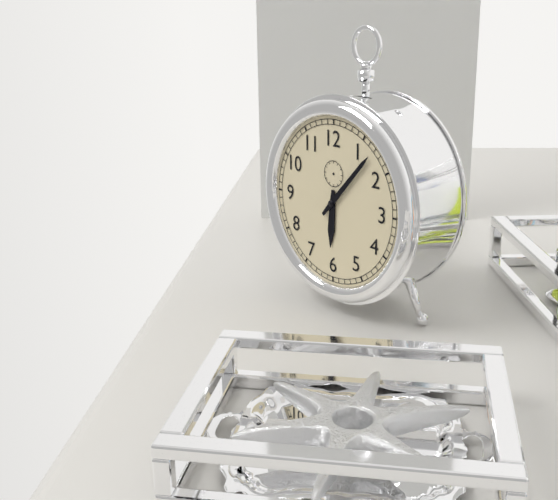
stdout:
h=6 m=7
